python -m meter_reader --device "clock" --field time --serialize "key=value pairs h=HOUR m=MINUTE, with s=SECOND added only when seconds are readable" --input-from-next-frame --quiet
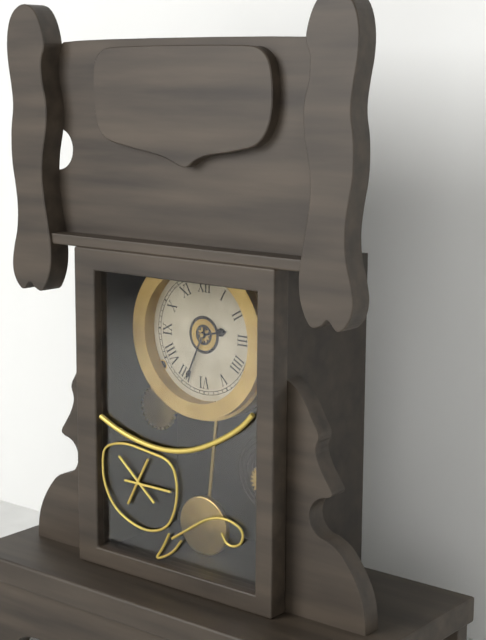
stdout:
h=2 m=34
